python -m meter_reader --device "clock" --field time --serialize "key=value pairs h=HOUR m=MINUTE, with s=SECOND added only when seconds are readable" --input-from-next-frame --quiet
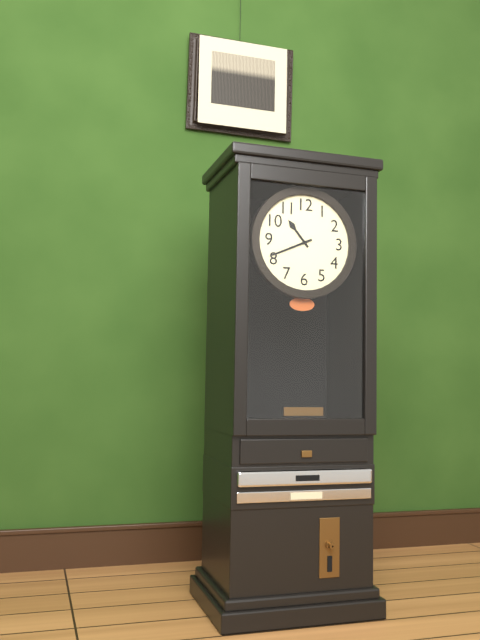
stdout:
h=10 m=41
